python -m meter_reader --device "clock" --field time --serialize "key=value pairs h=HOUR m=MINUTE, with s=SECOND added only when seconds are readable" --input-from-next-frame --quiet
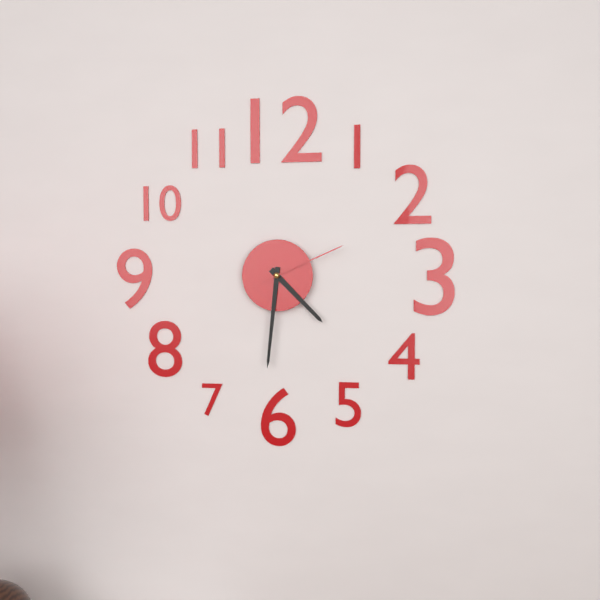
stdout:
h=4 m=31 s=11
